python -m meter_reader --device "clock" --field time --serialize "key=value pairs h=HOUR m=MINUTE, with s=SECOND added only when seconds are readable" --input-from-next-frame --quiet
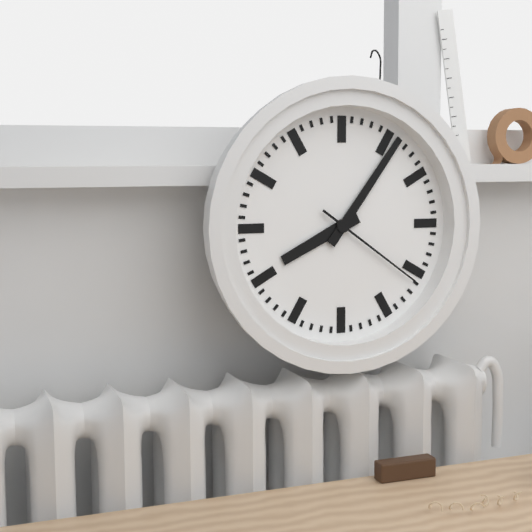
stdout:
h=8 m=6 s=21
